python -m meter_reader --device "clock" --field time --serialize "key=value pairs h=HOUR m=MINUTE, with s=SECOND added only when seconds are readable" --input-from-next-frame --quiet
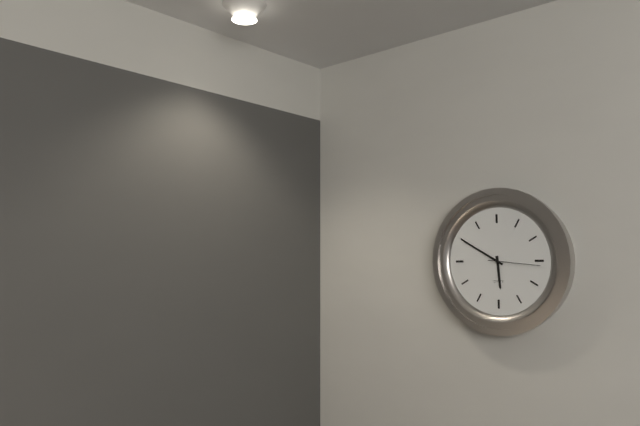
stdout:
h=5 m=50 s=16
